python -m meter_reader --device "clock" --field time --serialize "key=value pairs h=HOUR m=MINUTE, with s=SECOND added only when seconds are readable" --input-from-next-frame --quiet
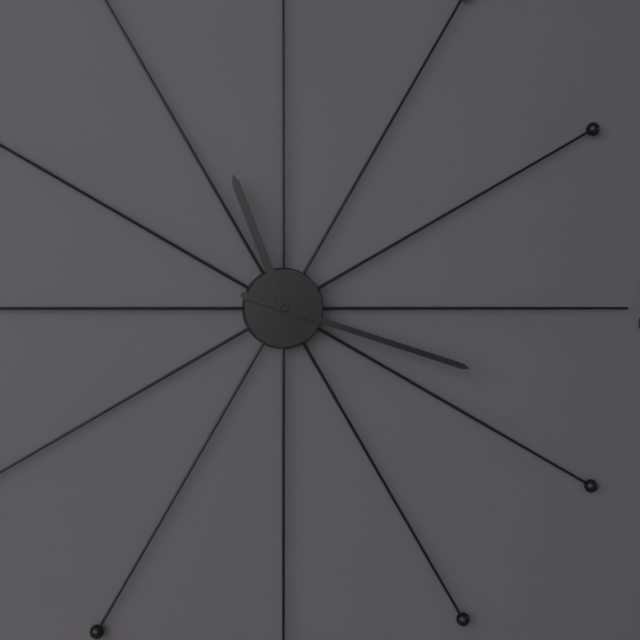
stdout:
h=11 m=18
